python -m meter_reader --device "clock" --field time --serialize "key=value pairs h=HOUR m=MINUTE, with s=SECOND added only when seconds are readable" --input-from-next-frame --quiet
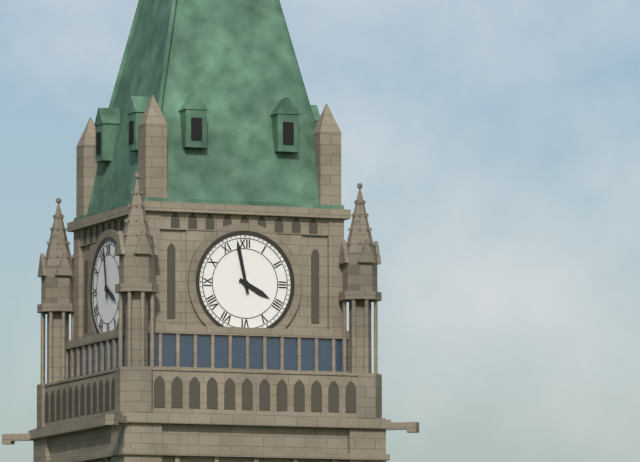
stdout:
h=3 m=58
